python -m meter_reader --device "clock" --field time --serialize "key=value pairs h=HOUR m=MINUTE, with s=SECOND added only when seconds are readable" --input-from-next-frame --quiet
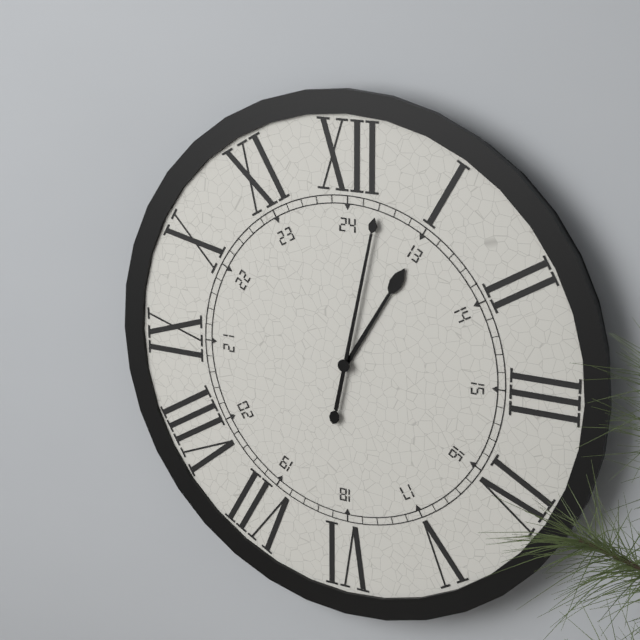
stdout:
h=1 m=2
